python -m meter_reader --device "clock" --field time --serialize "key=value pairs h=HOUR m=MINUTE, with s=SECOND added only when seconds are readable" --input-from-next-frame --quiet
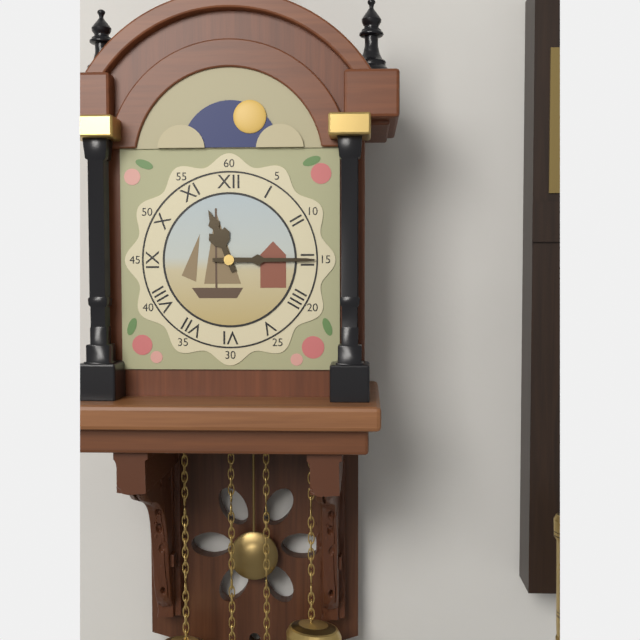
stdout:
h=11 m=15
